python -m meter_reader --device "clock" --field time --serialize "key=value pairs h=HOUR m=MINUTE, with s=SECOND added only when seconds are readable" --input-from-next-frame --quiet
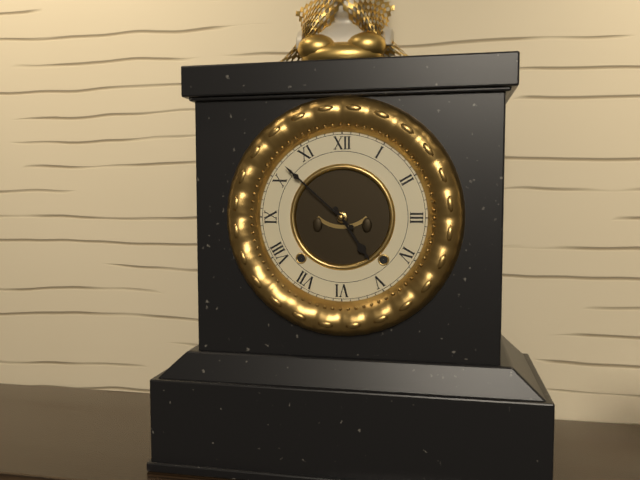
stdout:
h=4 m=52
